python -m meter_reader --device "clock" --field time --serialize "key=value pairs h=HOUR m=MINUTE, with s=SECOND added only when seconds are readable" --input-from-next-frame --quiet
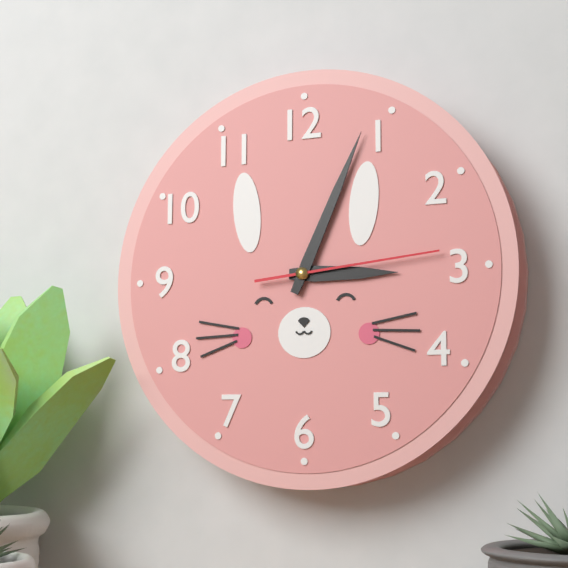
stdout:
h=3 m=4 s=14
